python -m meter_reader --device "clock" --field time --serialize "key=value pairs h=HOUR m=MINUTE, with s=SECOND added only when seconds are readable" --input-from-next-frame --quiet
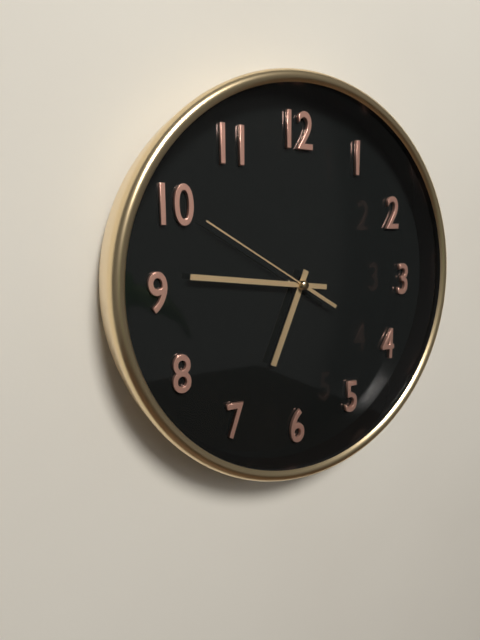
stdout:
h=6 m=46 s=50
